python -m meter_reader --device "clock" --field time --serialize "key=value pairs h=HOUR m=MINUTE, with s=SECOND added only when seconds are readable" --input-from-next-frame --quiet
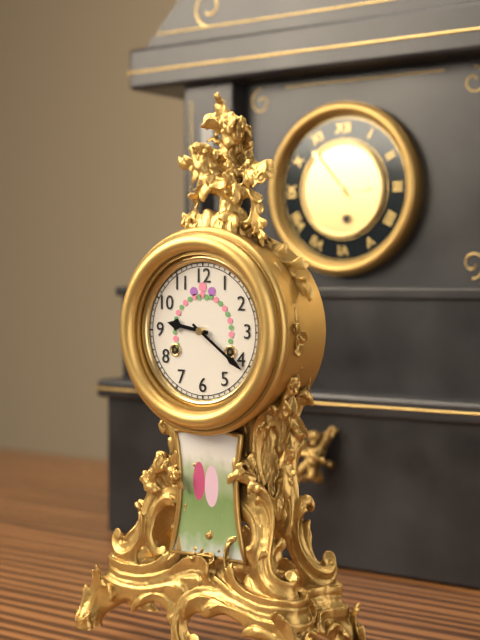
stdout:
h=9 m=21
